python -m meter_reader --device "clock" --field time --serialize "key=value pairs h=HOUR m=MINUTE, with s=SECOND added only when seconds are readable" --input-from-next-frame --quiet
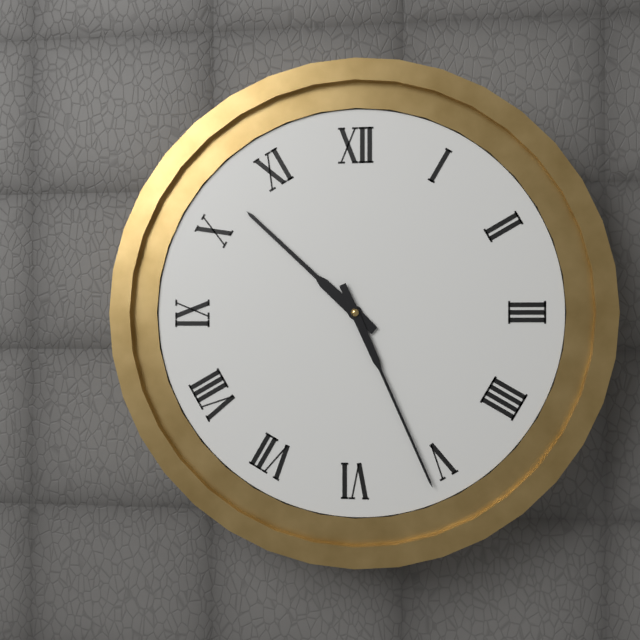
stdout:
h=10 m=26
